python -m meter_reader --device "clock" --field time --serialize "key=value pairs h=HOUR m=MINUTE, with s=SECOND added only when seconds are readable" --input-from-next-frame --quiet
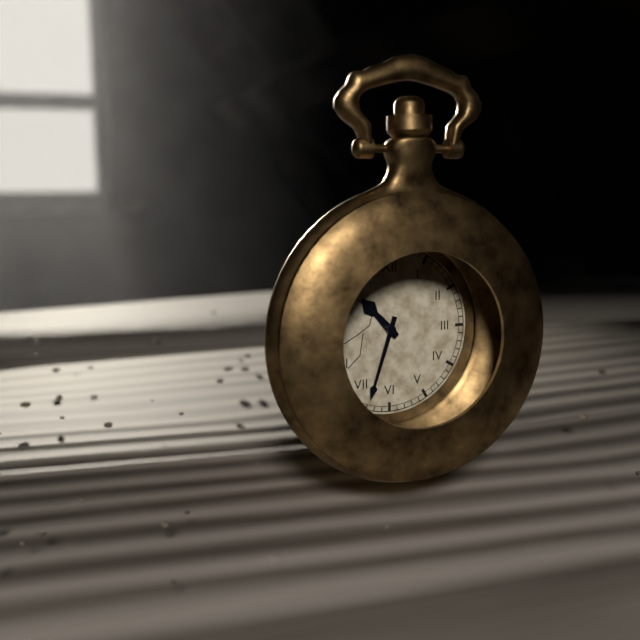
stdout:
h=10 m=33
